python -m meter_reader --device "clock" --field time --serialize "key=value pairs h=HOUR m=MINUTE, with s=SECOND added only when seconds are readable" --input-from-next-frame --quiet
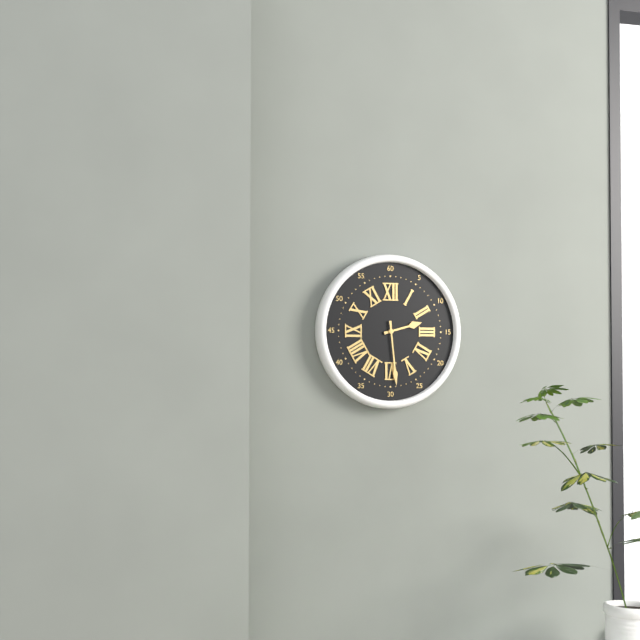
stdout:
h=2 m=29
